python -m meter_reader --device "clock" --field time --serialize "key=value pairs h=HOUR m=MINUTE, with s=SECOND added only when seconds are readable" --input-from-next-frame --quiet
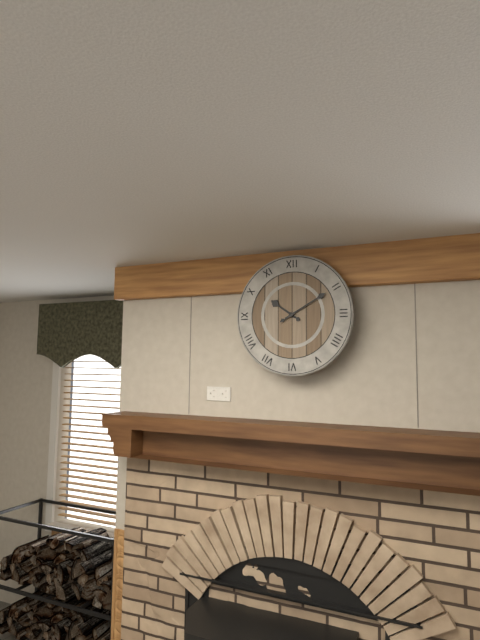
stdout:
h=10 m=10
